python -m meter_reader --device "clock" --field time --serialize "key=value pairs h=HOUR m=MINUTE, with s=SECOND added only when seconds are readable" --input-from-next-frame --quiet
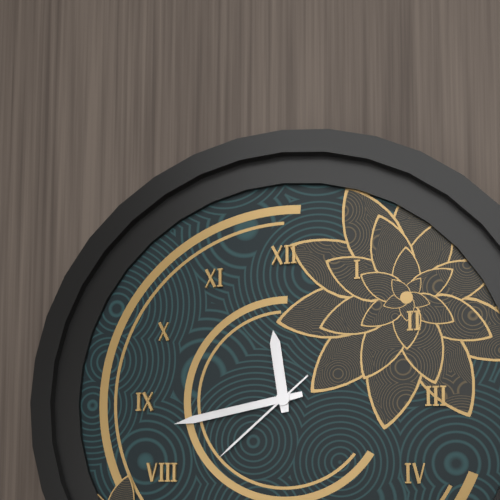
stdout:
h=11 m=43 s=38
